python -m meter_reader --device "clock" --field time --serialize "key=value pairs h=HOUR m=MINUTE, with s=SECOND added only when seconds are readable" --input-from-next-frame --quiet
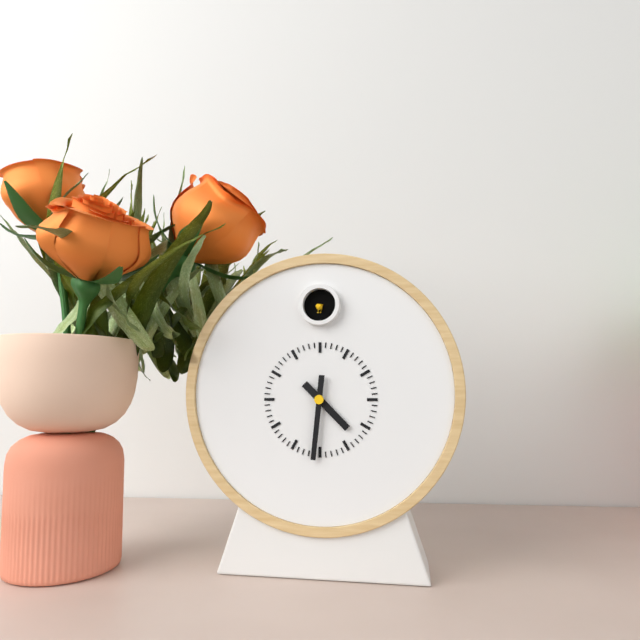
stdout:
h=4 m=31
